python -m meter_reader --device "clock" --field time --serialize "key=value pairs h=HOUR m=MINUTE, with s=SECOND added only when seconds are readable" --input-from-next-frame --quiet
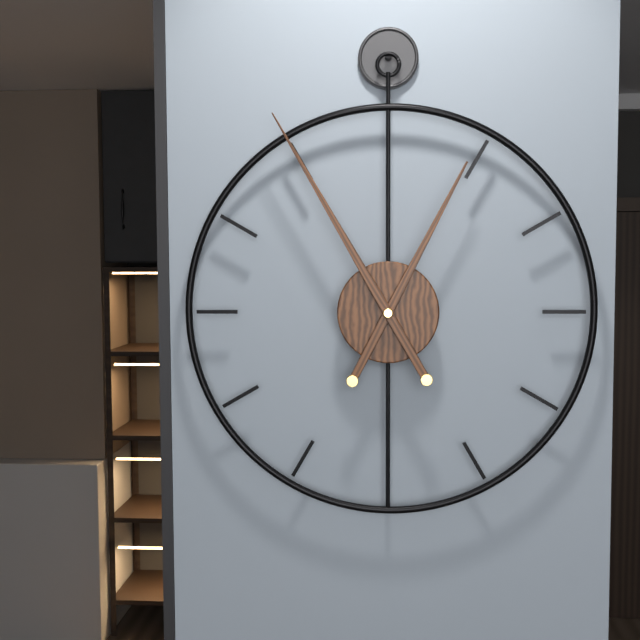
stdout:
h=12 m=55
